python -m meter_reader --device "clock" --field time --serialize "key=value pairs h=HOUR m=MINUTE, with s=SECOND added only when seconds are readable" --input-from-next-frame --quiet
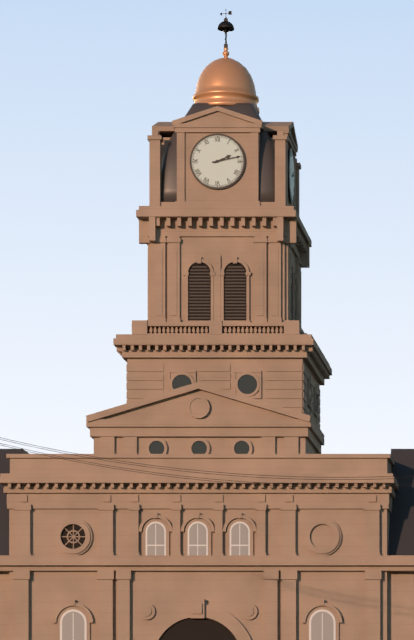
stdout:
h=2 m=13
